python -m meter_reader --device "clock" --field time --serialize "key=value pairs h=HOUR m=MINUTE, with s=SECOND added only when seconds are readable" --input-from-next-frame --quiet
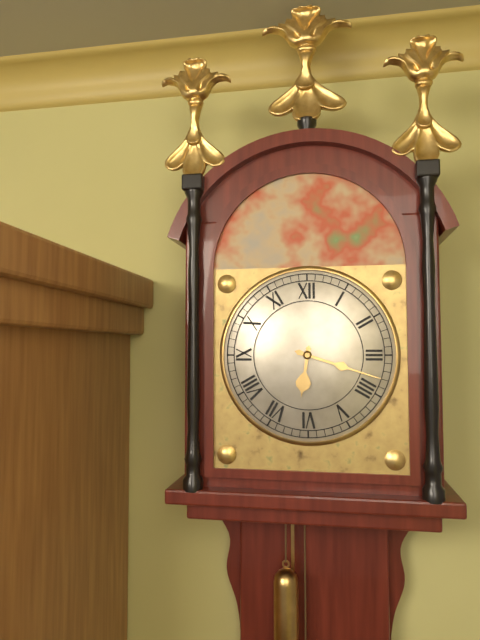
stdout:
h=6 m=18
